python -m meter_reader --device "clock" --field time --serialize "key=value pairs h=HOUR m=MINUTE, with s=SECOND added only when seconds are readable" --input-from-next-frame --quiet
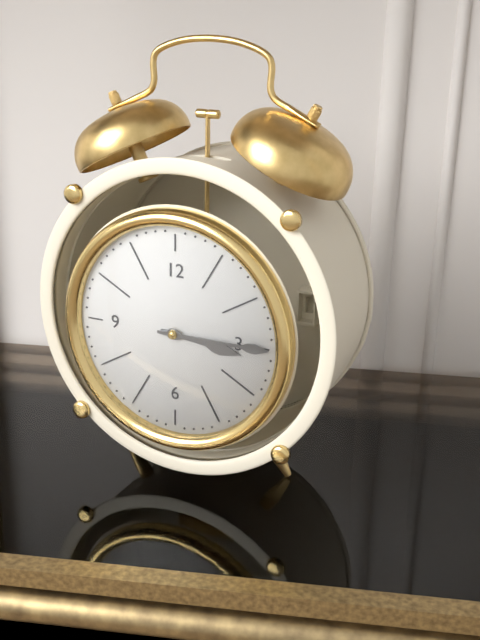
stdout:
h=3 m=15
